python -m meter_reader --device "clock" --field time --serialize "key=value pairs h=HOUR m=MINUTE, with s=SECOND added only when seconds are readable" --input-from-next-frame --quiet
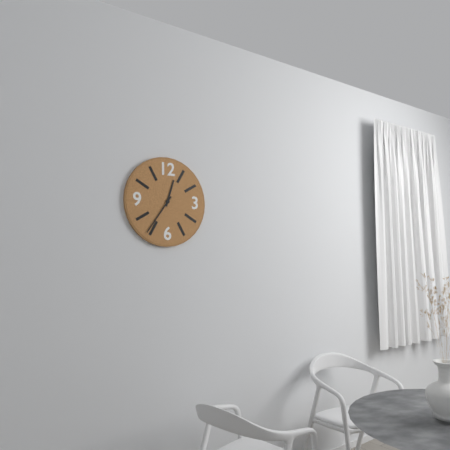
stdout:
h=12 m=36
